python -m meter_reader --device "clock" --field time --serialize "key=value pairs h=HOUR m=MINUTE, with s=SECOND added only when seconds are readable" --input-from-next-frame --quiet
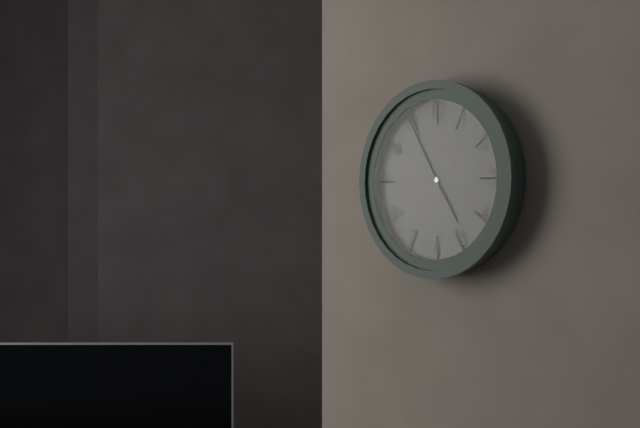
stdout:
h=4 m=55
